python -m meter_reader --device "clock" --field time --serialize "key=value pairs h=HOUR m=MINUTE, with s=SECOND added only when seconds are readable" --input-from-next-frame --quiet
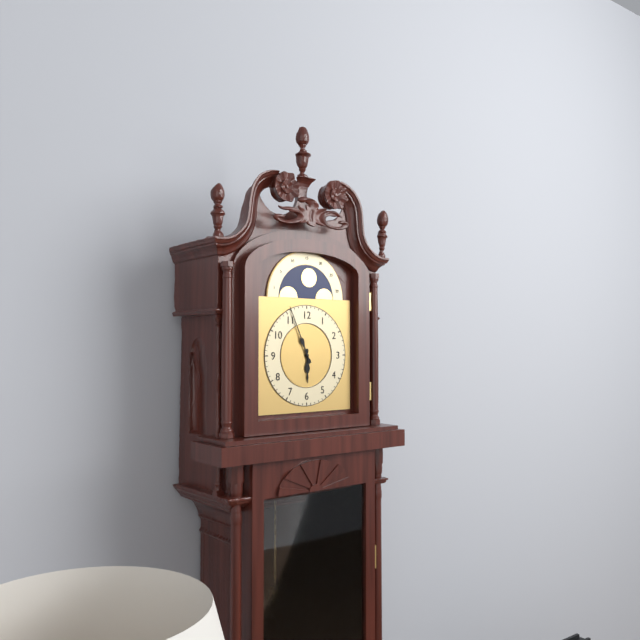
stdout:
h=5 m=56
